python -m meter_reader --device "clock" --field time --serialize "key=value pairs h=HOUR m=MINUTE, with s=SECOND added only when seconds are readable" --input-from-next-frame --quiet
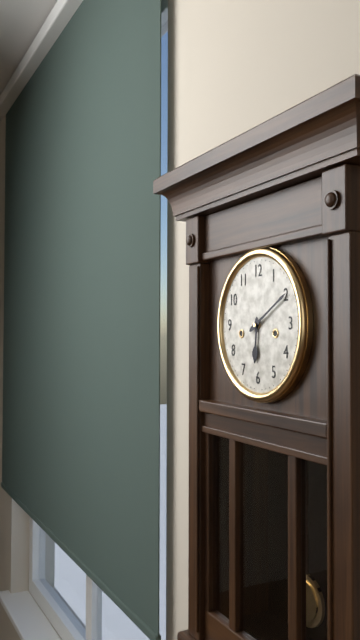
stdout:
h=6 m=10
